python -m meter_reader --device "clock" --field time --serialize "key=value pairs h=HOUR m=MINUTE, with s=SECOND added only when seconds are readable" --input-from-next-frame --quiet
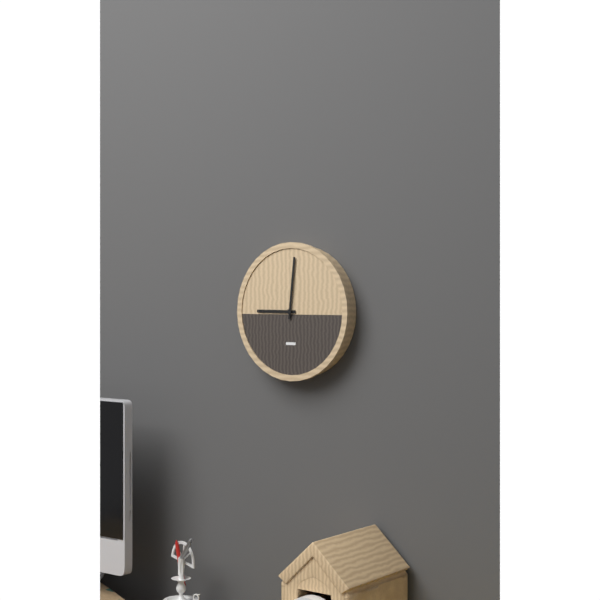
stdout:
h=9 m=1
